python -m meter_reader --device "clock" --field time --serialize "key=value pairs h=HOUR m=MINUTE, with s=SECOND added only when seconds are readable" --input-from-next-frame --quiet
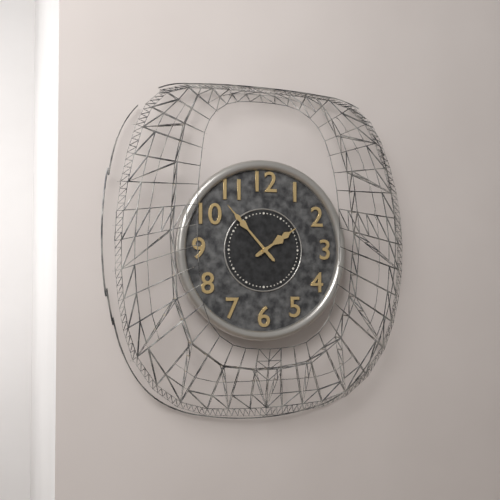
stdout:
h=1 m=53
